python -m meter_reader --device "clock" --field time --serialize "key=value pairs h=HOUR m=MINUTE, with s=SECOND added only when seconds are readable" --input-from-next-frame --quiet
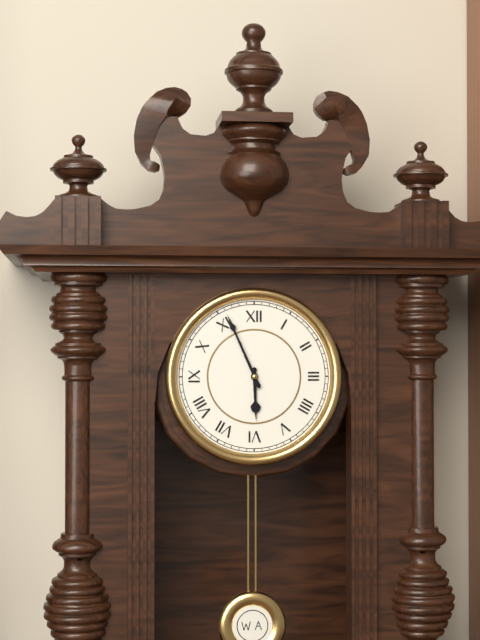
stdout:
h=5 m=56
